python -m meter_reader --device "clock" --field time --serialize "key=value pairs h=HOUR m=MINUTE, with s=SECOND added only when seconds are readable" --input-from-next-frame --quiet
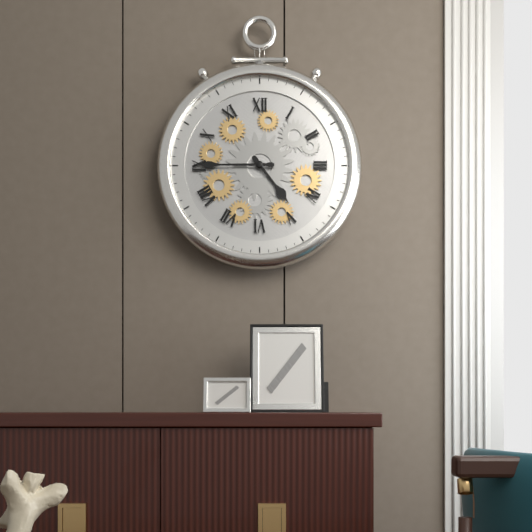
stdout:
h=4 m=45
